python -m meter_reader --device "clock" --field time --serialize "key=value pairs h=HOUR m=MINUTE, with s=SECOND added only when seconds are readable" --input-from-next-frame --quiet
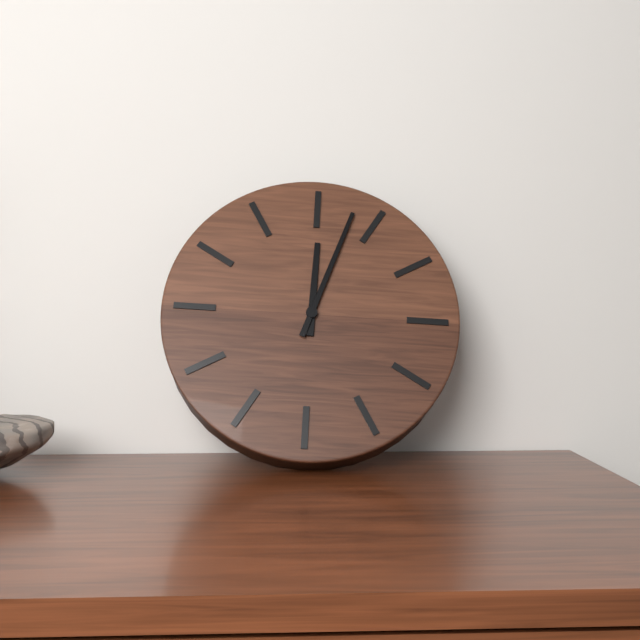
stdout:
h=12 m=3
